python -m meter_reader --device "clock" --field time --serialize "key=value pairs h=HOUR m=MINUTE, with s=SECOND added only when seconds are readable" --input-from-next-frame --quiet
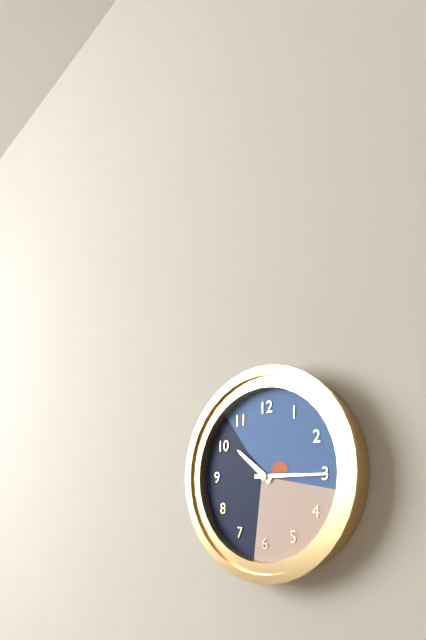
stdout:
h=10 m=15
